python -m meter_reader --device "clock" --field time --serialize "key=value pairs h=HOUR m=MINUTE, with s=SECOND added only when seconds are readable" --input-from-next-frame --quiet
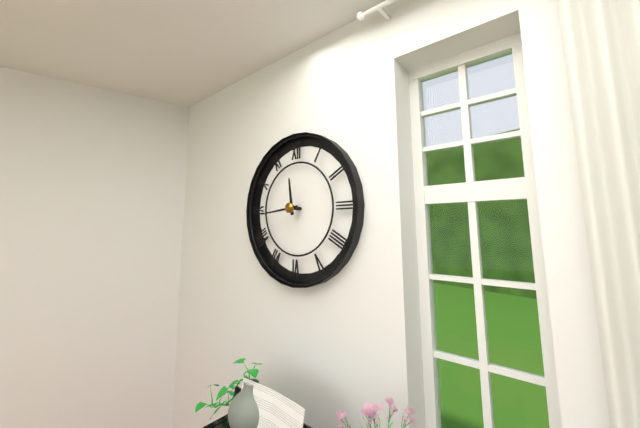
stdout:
h=11 m=44
